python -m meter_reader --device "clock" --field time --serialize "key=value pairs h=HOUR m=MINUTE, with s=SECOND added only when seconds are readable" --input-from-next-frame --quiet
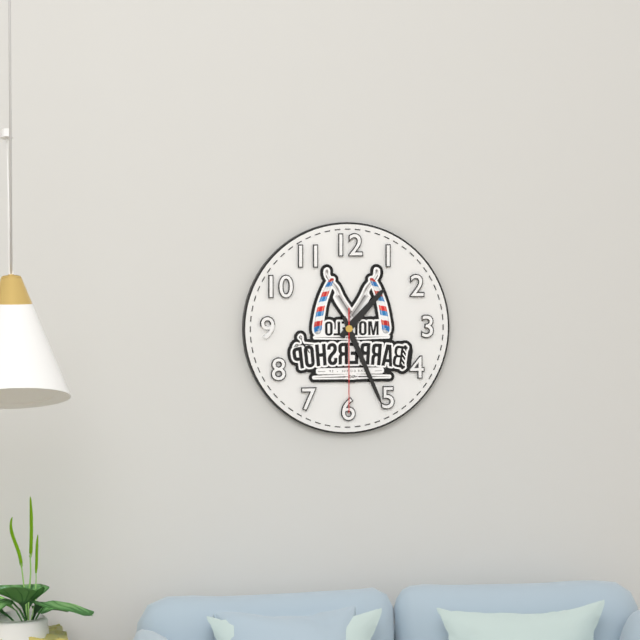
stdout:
h=1 m=26 s=30
